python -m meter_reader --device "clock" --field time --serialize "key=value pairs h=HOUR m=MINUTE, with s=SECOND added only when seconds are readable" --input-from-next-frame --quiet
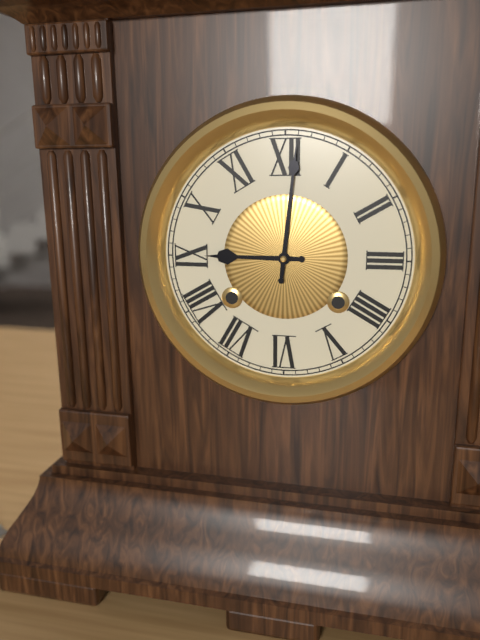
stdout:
h=9 m=1
